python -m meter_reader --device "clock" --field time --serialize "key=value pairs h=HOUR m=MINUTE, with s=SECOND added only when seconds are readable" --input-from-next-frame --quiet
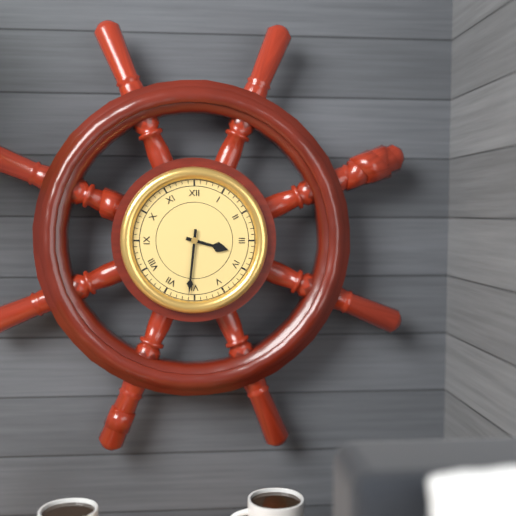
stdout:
h=3 m=31
